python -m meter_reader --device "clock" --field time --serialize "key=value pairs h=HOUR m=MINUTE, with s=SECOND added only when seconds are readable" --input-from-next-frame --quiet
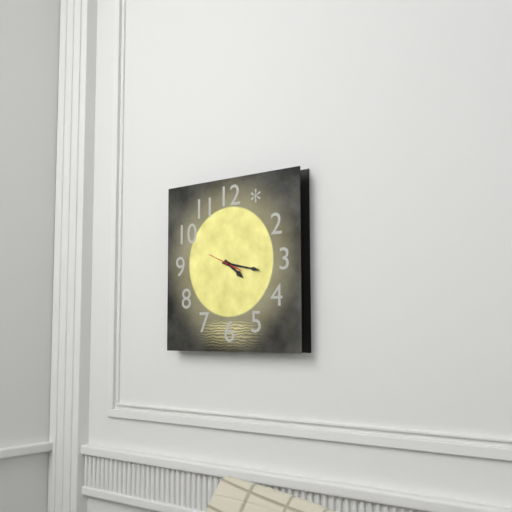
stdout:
h=4 m=17
